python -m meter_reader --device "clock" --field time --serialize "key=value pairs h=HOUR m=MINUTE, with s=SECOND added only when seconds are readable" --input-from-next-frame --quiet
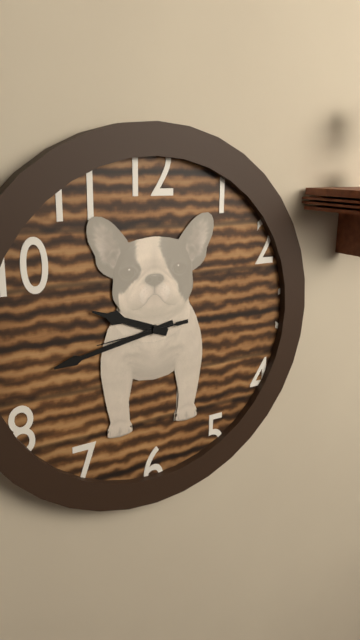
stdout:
h=9 m=43 s=44
